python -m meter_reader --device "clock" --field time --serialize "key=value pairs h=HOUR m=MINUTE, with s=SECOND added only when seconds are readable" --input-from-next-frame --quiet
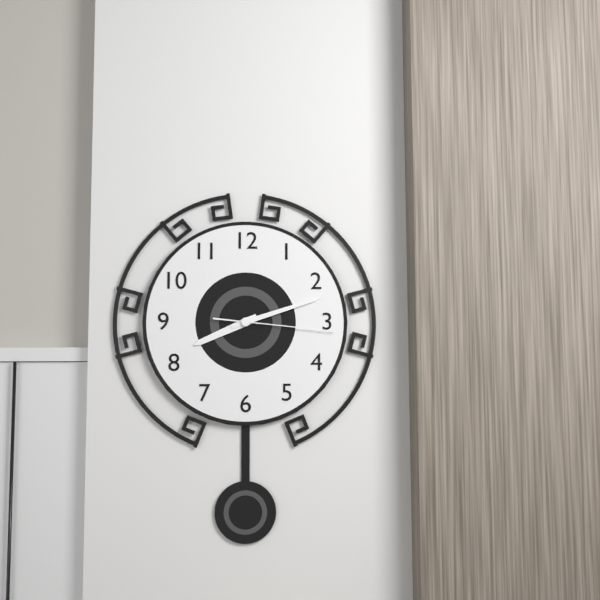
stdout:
h=8 m=12 s=16
